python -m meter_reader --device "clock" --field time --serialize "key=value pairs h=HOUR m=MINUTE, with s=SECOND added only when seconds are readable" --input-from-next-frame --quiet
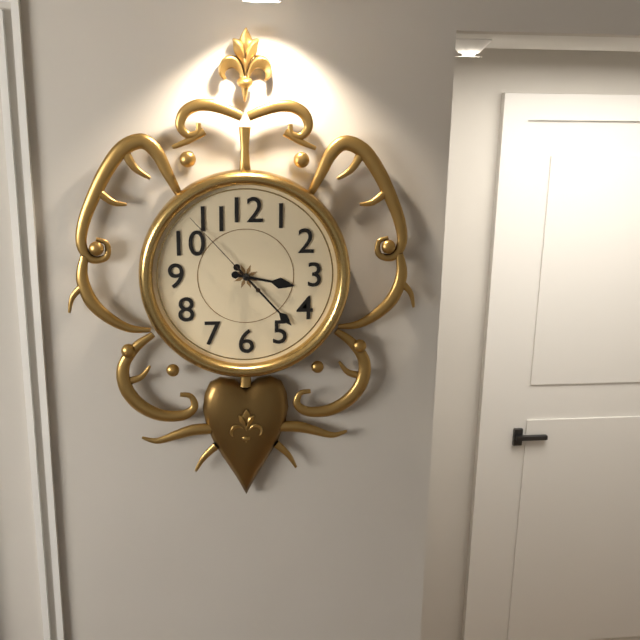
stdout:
h=3 m=23 s=53
